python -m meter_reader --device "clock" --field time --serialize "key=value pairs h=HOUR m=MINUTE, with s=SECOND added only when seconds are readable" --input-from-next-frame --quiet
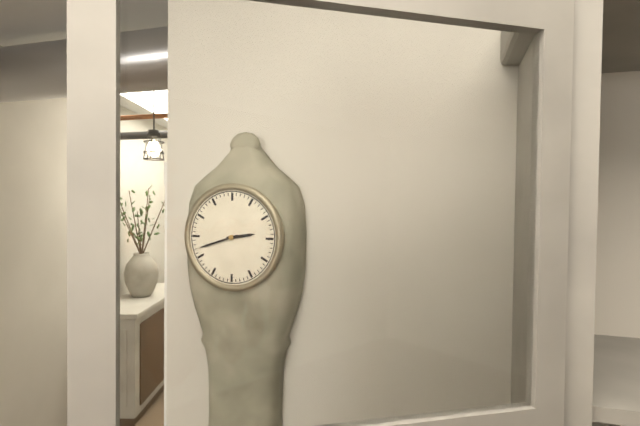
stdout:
h=2 m=42
